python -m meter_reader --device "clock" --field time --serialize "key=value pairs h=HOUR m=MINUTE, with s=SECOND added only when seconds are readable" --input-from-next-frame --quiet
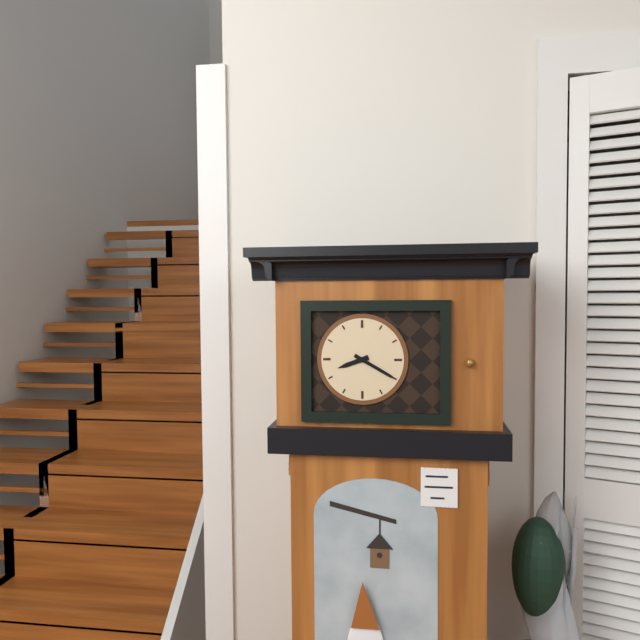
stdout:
h=8 m=20
